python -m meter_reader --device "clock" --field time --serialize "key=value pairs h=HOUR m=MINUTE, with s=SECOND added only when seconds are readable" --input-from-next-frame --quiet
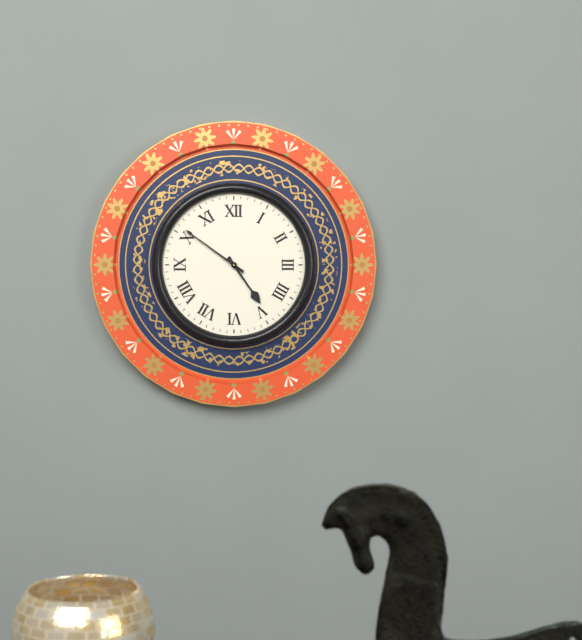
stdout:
h=4 m=51
